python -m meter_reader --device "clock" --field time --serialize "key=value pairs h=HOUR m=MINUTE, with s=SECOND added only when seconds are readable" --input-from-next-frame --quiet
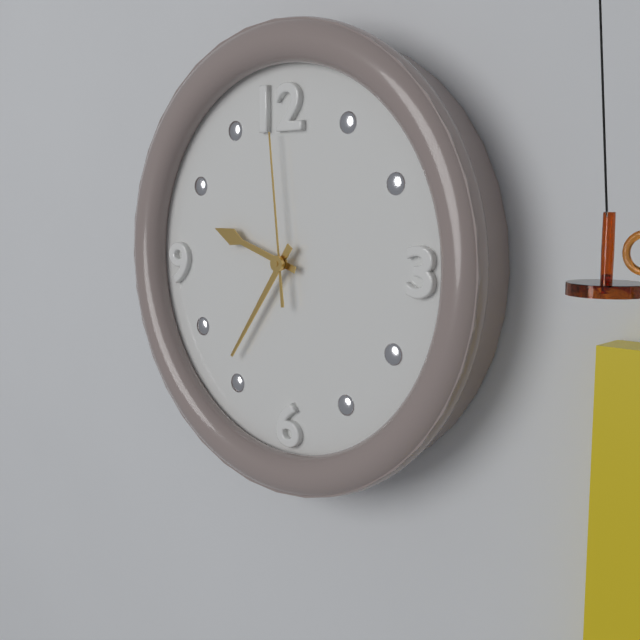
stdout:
h=9 m=36 s=59
